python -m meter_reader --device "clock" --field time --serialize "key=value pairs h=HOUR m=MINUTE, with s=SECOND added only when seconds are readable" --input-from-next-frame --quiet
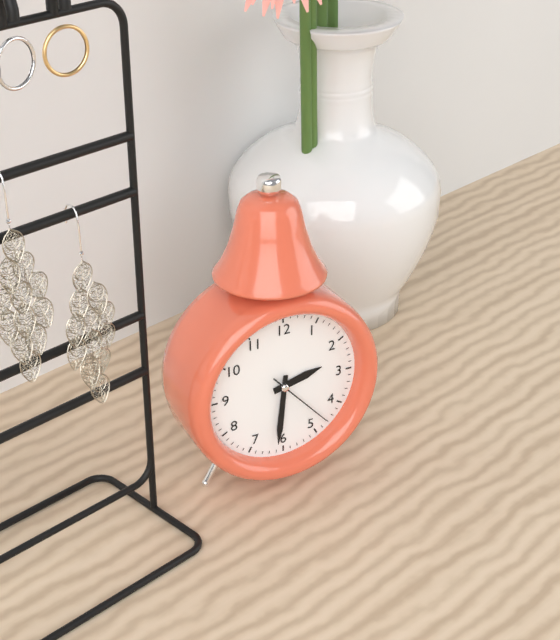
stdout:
h=2 m=31 s=23
